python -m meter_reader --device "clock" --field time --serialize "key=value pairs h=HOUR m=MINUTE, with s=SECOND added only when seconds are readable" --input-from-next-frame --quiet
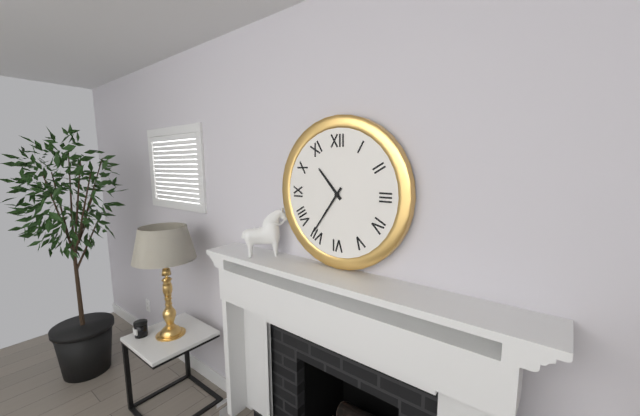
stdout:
h=10 m=36
